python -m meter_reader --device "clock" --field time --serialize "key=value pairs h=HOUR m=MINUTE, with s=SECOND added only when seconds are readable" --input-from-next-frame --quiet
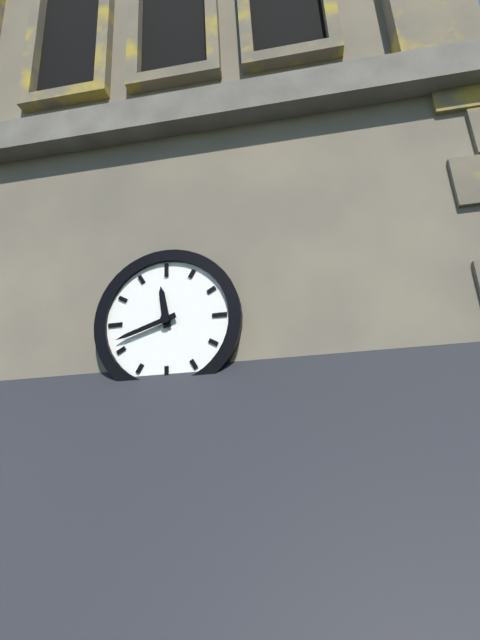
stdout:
h=11 m=42
